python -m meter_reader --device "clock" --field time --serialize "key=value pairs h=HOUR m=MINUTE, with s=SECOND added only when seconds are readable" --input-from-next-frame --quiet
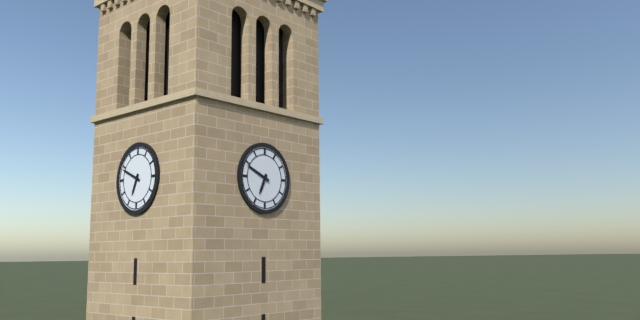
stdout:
h=6 m=49
